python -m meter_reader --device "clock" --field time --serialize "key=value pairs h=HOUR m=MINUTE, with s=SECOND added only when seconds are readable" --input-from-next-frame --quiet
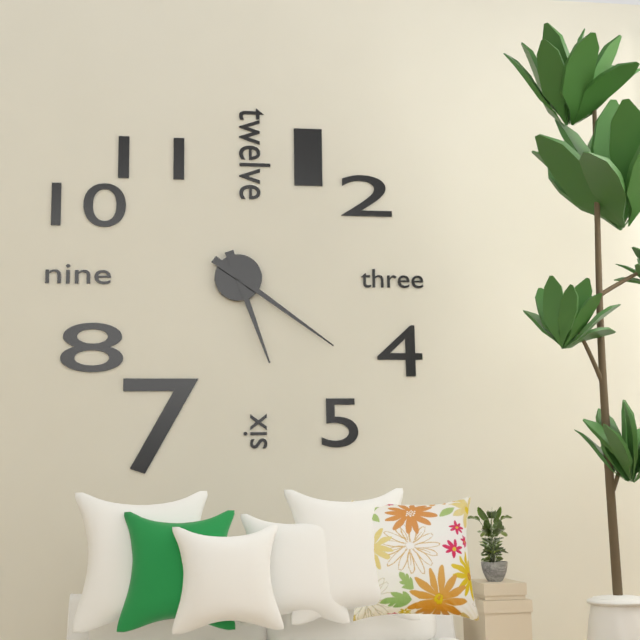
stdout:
h=5 m=21
